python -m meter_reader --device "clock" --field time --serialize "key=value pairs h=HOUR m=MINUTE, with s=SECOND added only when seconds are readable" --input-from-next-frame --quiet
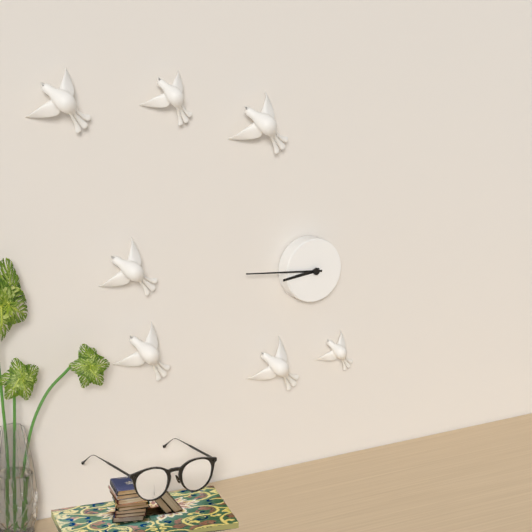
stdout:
h=8 m=46
